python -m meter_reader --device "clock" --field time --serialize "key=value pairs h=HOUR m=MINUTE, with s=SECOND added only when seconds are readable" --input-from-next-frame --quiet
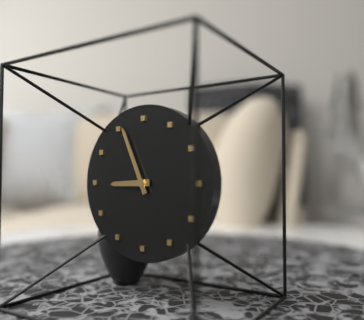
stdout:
h=8 m=56
